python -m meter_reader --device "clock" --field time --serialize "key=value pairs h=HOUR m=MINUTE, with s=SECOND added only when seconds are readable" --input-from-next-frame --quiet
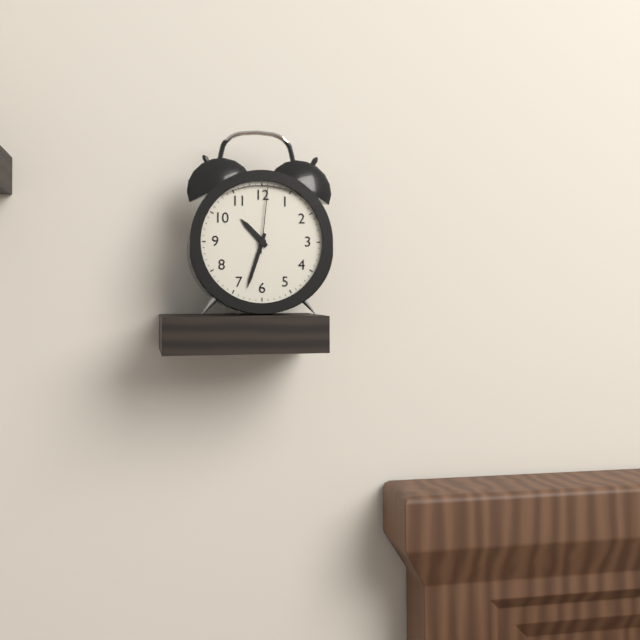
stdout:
h=10 m=33 s=1
